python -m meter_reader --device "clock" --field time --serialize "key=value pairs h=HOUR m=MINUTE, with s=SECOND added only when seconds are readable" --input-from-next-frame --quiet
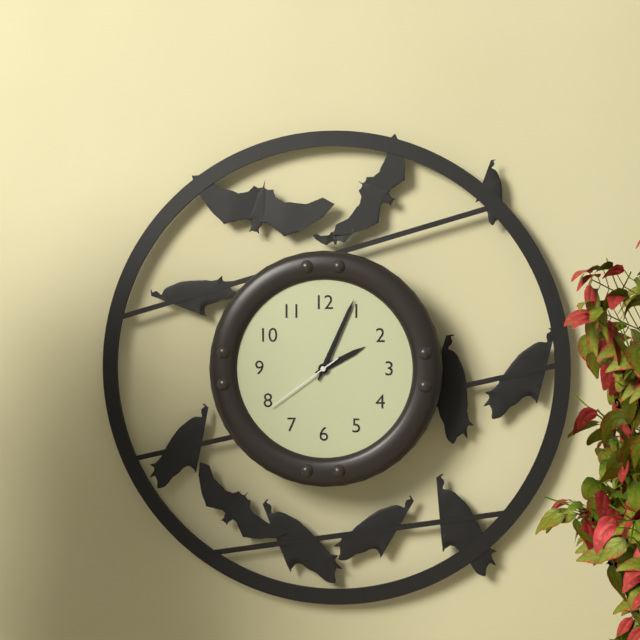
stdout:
h=2 m=4 s=39
